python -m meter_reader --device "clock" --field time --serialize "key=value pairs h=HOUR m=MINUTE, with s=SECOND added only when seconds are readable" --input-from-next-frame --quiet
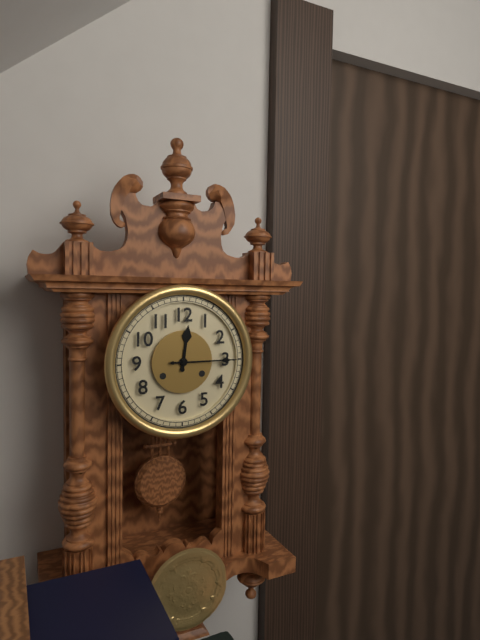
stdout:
h=12 m=15
